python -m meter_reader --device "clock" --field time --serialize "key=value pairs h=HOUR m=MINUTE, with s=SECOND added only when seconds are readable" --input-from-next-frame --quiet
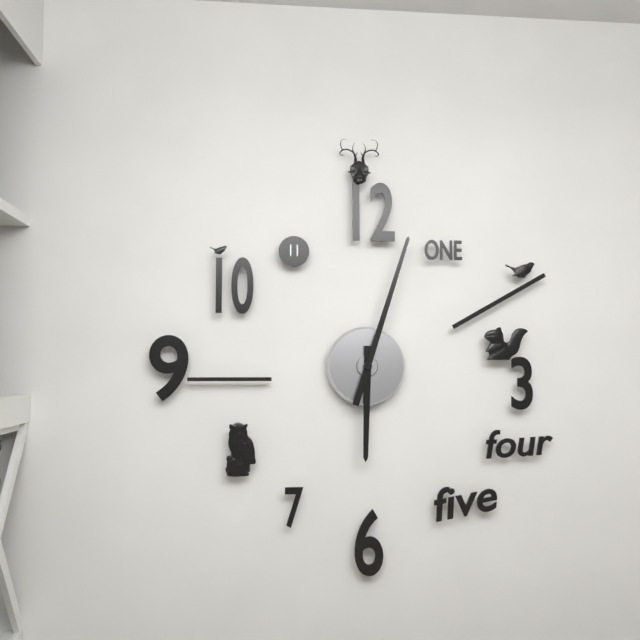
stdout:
h=6 m=3
